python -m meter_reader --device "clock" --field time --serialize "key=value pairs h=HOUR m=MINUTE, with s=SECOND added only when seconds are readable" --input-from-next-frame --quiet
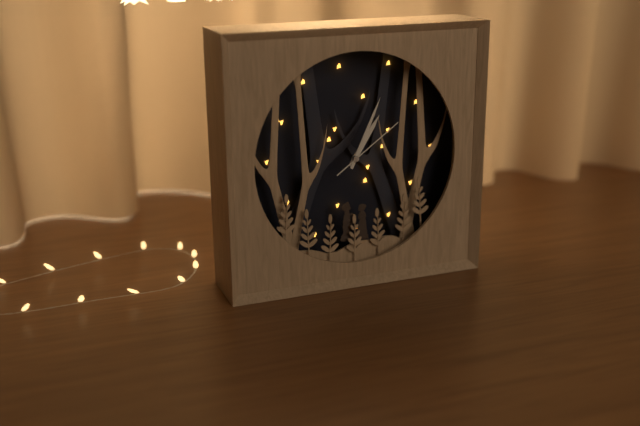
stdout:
h=1 m=4 s=9
